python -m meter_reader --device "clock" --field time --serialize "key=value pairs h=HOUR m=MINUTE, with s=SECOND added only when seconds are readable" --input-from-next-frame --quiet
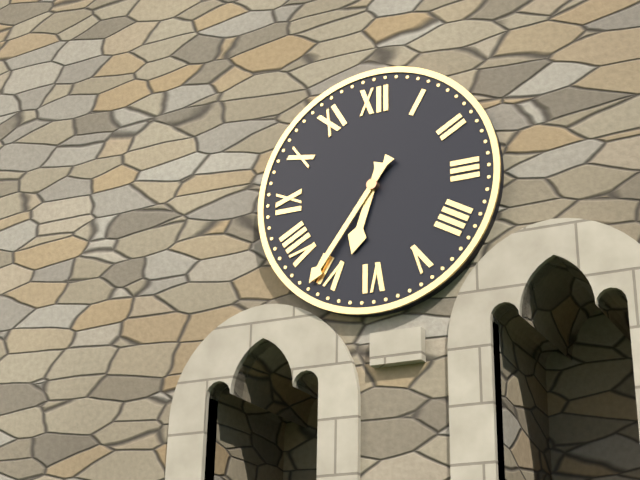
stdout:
h=6 m=36
